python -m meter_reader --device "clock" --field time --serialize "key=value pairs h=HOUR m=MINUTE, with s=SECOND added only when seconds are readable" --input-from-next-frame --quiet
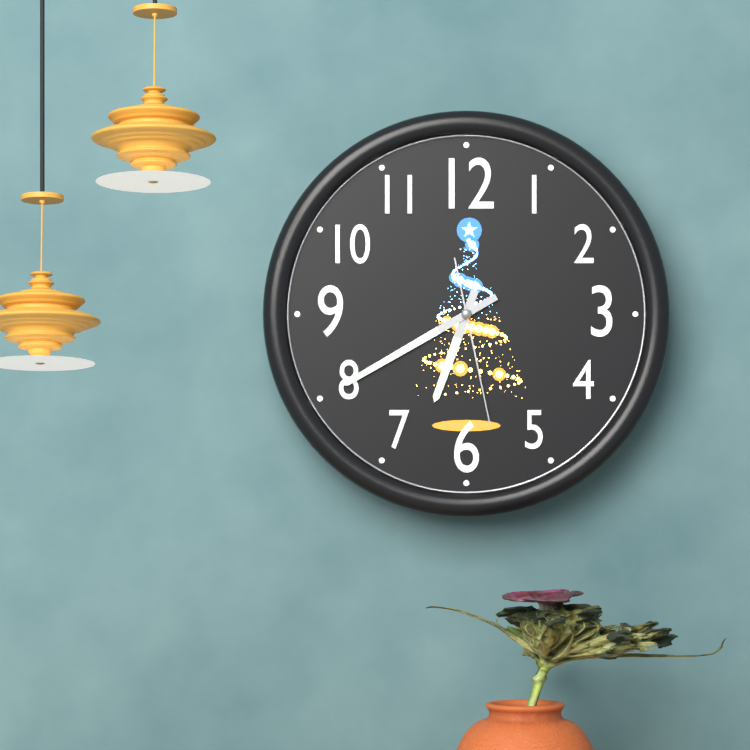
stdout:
h=6 m=40 s=28
